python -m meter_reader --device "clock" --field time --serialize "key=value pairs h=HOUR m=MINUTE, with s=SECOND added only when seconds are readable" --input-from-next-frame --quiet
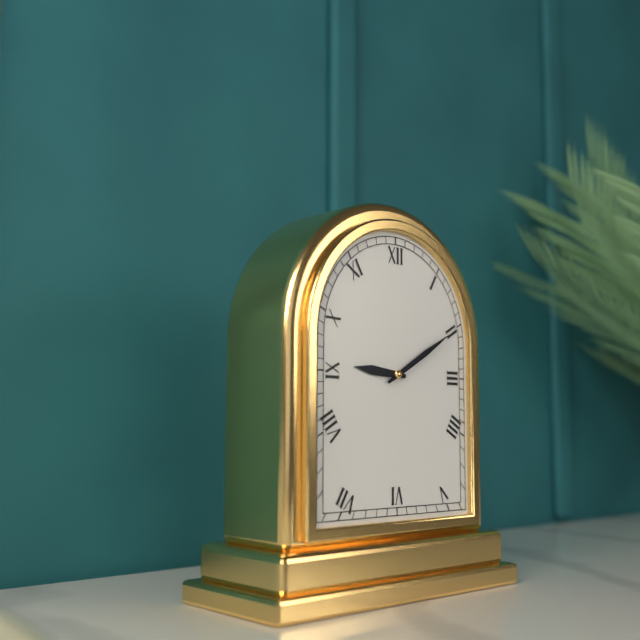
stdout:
h=9 m=10
